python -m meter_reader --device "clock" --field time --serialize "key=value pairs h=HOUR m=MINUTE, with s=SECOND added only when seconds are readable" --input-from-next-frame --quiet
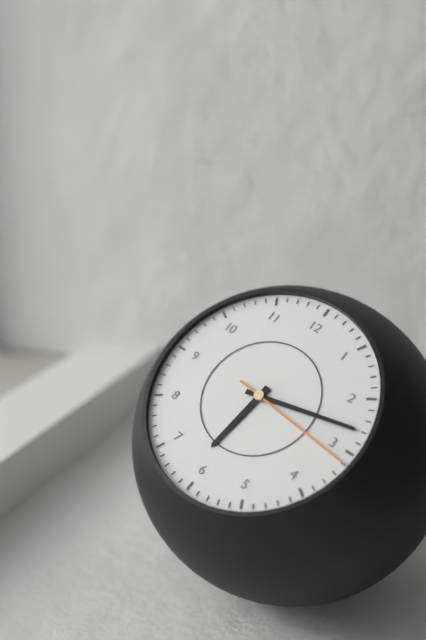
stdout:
h=6 m=13 s=16
